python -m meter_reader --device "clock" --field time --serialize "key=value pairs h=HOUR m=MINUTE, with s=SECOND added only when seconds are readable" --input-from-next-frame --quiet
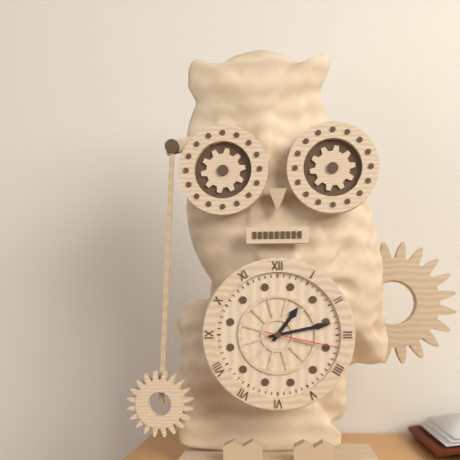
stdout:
h=1 m=13 s=17
